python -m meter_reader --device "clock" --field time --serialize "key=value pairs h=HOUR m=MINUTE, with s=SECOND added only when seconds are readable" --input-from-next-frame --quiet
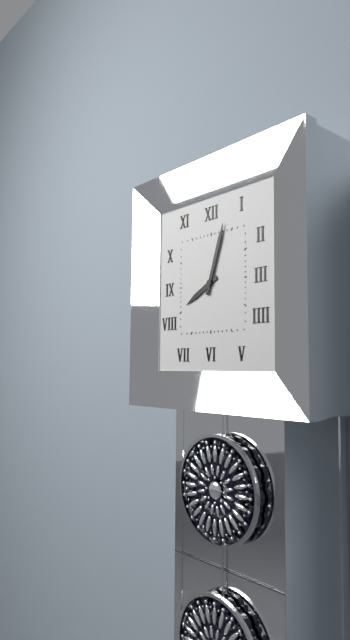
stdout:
h=8 m=3
